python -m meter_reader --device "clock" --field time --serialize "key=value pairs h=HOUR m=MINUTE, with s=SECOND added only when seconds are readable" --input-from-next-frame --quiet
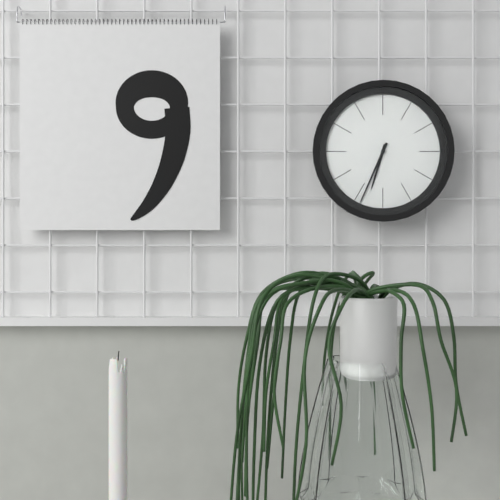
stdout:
h=6 m=34
